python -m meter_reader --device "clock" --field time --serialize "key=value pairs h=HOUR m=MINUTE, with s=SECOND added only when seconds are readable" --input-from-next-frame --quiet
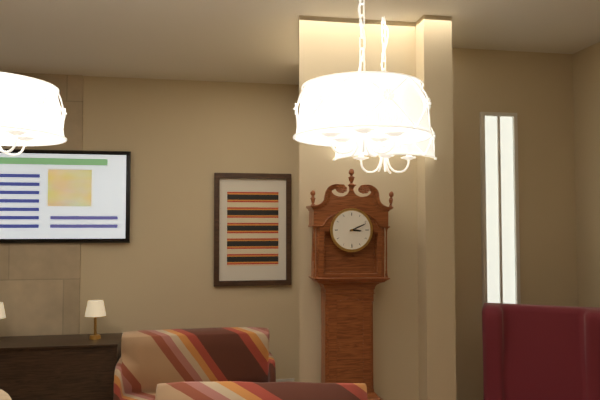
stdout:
h=3 m=11
